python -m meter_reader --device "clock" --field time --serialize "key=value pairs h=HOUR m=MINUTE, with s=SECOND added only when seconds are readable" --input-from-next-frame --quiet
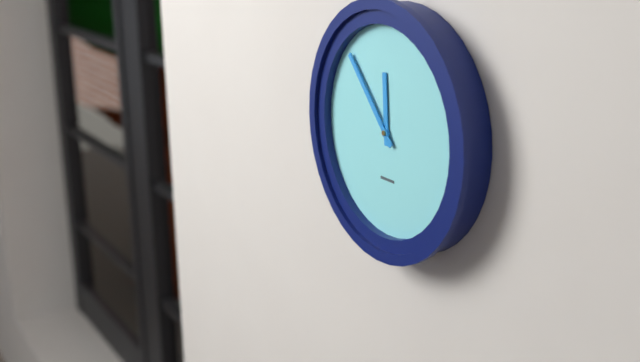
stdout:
h=11 m=53
